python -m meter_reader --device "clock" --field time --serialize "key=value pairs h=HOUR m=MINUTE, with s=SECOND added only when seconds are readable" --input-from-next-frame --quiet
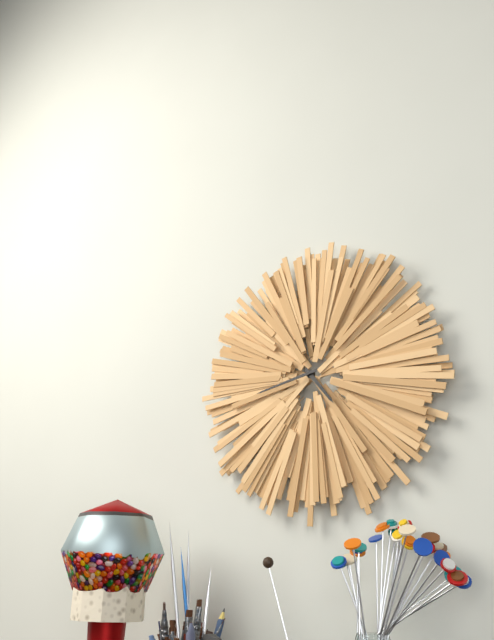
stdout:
h=4 m=43
